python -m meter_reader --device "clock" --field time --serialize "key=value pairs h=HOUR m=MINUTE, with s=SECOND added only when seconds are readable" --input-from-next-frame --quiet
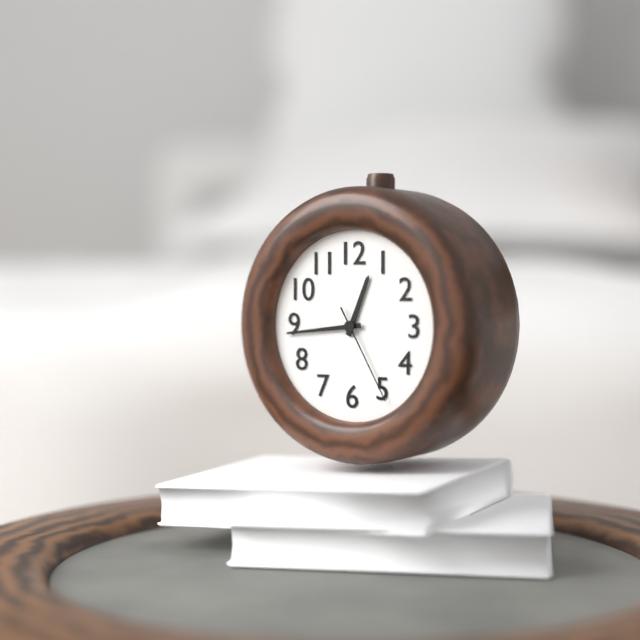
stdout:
h=12 m=44 s=25
